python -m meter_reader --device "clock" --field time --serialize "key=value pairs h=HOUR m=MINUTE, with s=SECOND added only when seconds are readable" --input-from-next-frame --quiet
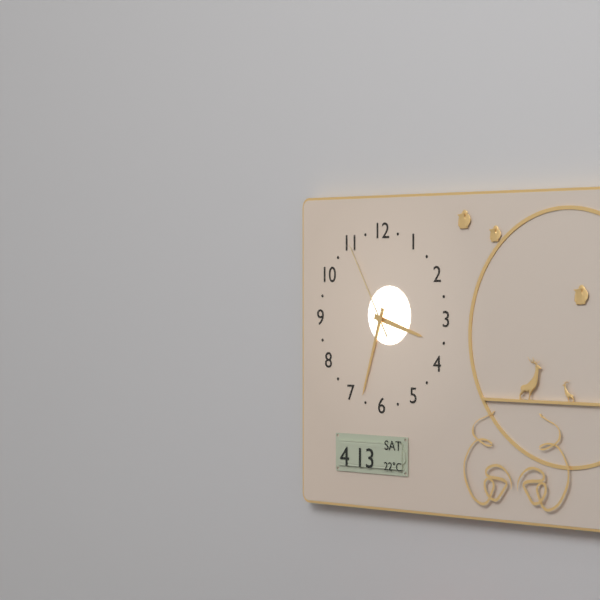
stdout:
h=3 m=33 s=55
